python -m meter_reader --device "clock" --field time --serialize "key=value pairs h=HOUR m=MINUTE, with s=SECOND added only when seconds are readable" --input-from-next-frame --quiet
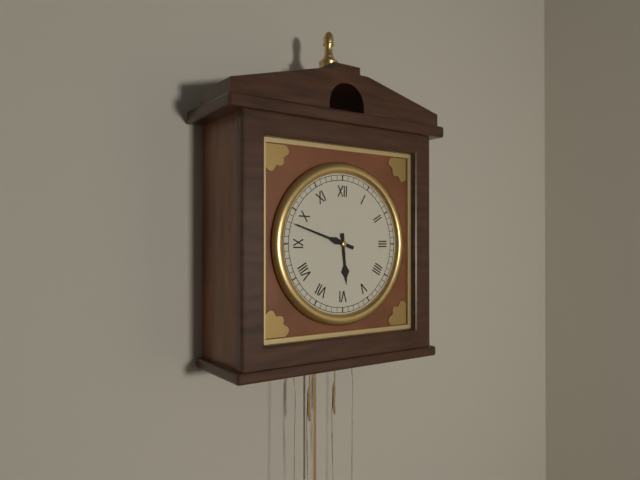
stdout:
h=5 m=48
